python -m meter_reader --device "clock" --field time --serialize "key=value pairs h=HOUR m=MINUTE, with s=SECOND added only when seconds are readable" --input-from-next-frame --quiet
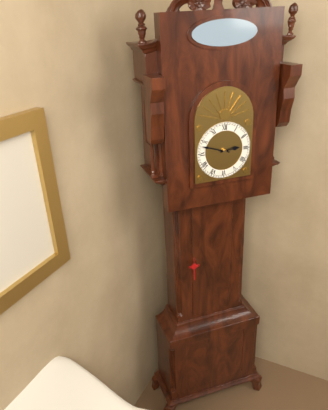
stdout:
h=2 m=48
